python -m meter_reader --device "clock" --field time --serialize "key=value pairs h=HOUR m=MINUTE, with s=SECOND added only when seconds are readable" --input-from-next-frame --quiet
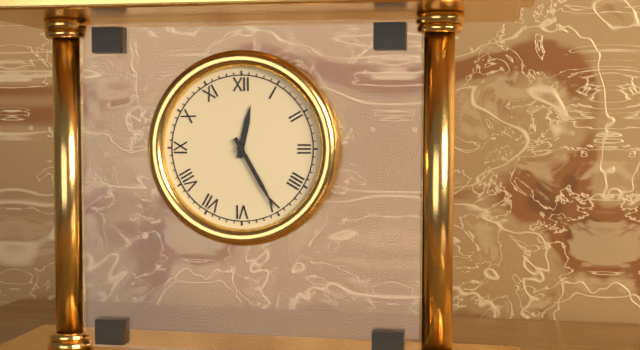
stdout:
h=12 m=25
